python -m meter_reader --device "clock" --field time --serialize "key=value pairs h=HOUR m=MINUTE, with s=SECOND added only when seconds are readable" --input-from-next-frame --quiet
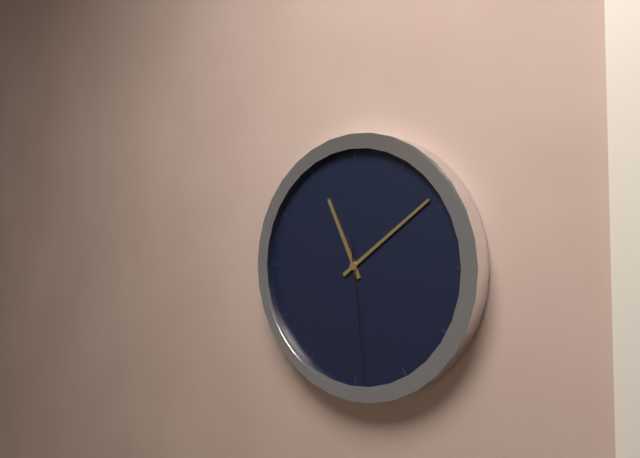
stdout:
h=11 m=9 s=29
